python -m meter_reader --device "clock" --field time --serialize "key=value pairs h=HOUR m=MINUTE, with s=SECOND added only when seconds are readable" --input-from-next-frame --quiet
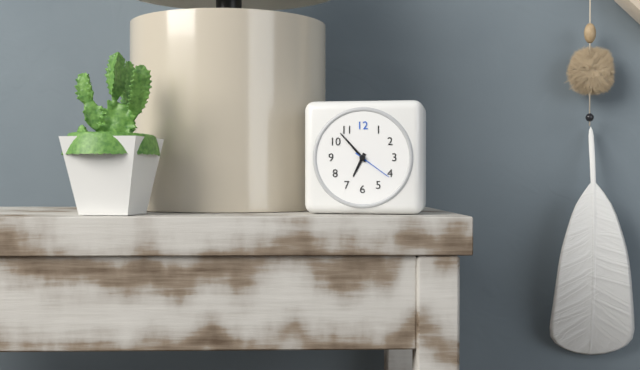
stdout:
h=6 m=53
